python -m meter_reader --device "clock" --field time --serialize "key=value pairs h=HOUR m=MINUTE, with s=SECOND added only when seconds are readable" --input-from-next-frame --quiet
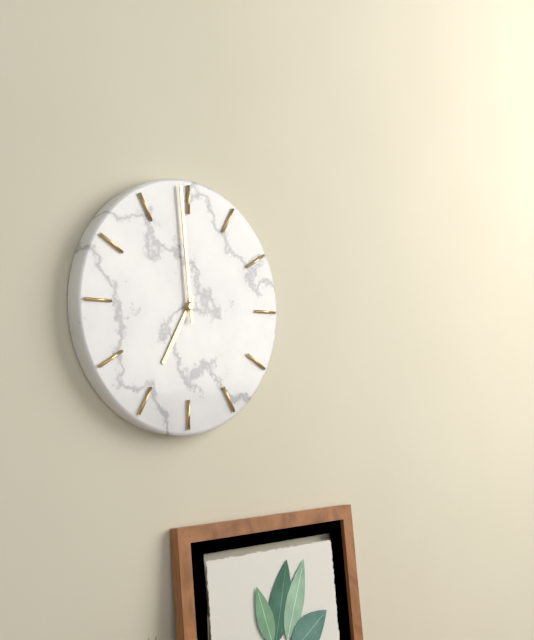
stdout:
h=6 m=59
